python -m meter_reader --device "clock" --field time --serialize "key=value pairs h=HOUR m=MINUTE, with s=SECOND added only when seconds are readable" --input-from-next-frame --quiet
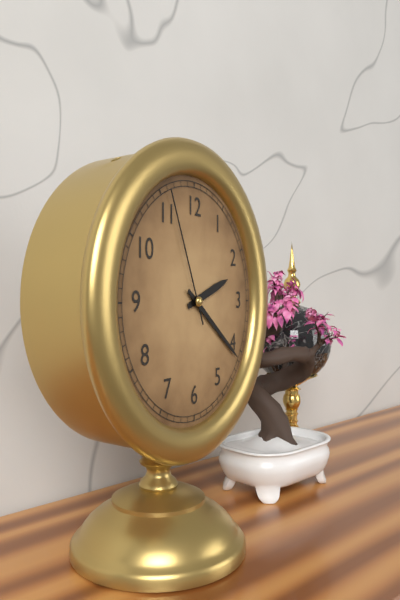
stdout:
h=2 m=21 s=56
